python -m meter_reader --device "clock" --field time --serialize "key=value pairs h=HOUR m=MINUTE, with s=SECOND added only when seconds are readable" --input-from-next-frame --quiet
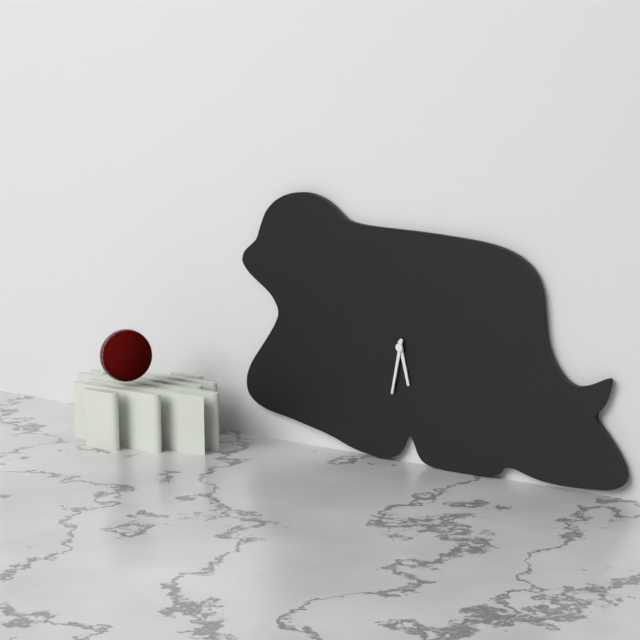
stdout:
h=5 m=32
